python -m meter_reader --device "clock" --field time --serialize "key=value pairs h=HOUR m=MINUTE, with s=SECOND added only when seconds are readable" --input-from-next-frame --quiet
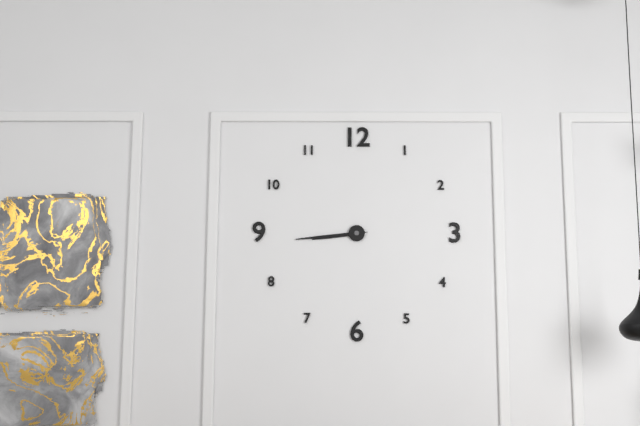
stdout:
h=8 m=44
